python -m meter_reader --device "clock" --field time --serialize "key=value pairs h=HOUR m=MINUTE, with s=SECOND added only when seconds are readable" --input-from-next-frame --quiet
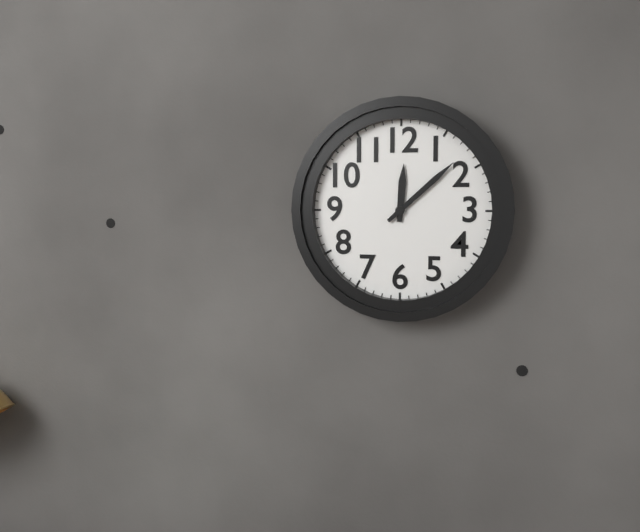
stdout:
h=12 m=8
